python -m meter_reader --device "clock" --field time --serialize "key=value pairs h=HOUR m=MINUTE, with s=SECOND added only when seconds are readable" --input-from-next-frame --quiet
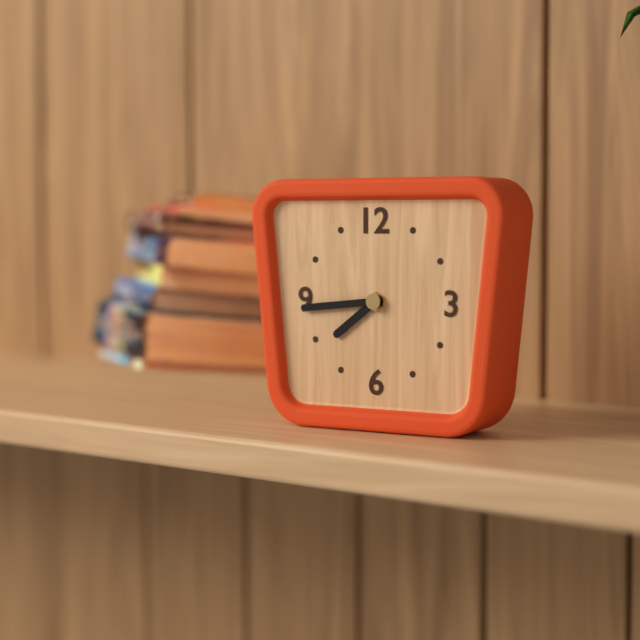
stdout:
h=7 m=44
